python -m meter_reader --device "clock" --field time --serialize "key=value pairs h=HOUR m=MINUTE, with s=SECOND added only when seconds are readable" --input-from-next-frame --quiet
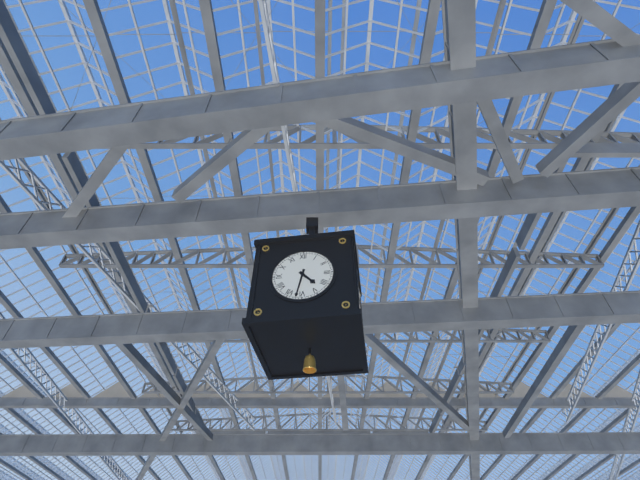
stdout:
h=4 m=32
